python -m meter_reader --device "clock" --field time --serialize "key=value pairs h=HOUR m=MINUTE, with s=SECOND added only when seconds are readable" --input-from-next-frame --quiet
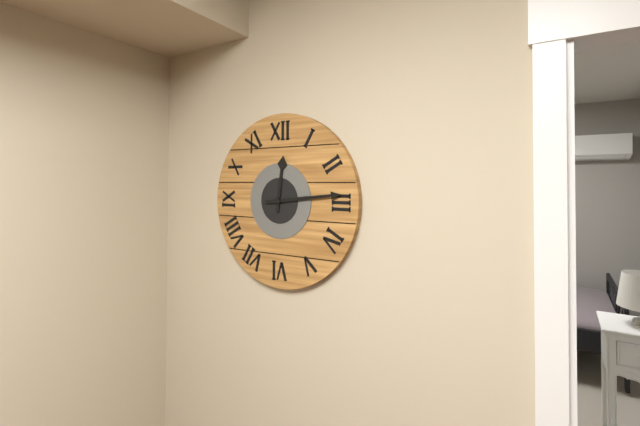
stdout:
h=12 m=14
